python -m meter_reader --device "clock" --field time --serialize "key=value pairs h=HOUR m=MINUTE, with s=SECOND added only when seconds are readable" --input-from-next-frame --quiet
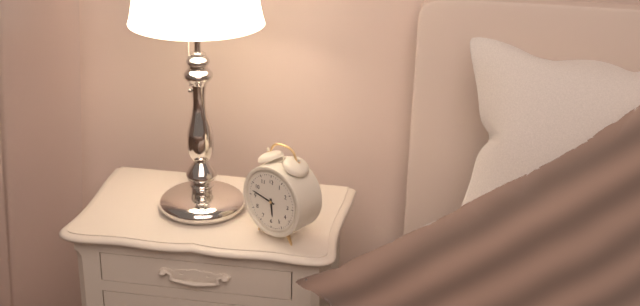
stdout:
h=5 m=47
